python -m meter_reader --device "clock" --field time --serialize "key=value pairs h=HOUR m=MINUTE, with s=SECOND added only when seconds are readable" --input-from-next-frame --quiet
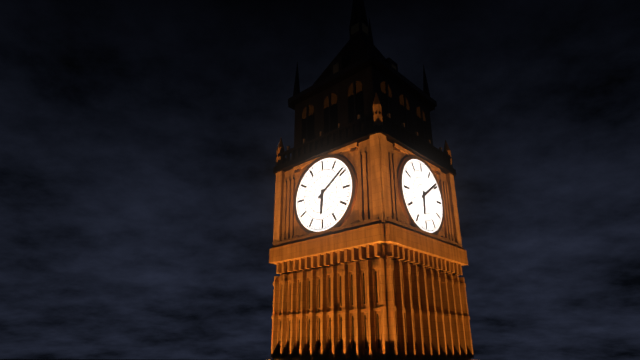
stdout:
h=6 m=9
